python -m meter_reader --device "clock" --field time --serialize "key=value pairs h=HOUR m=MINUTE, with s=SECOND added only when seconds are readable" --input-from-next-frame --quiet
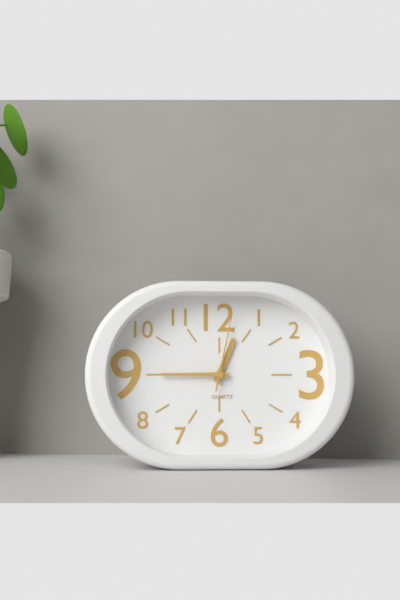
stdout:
h=12 m=45 s=2
